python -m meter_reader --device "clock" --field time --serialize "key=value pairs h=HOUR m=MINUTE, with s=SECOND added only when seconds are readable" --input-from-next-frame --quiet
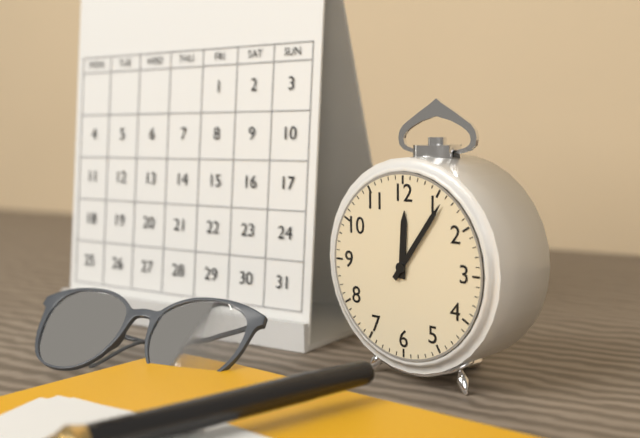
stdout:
h=12 m=6
